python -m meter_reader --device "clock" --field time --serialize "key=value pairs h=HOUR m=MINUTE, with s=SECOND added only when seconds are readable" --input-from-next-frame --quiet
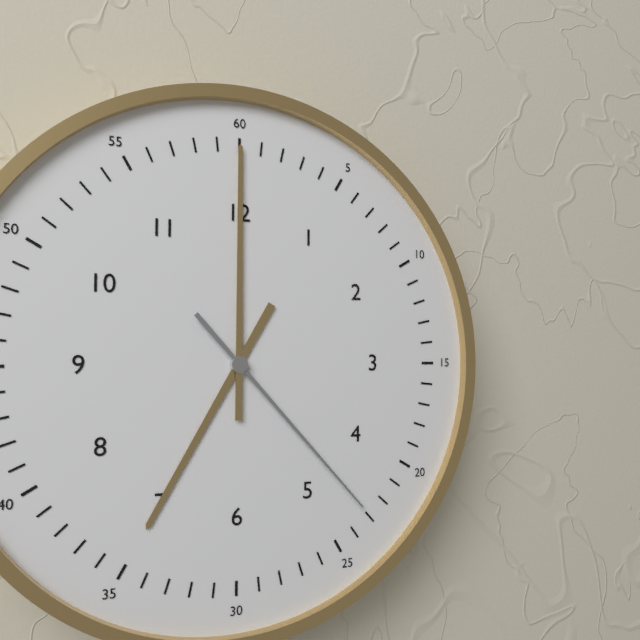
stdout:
h=7 m=0 s=23
